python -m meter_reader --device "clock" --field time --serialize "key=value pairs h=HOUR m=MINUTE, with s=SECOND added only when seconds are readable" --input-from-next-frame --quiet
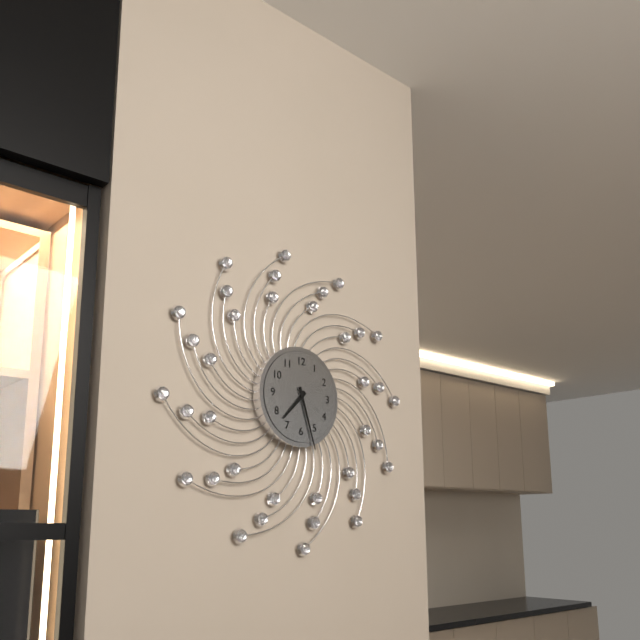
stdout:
h=7 m=27
